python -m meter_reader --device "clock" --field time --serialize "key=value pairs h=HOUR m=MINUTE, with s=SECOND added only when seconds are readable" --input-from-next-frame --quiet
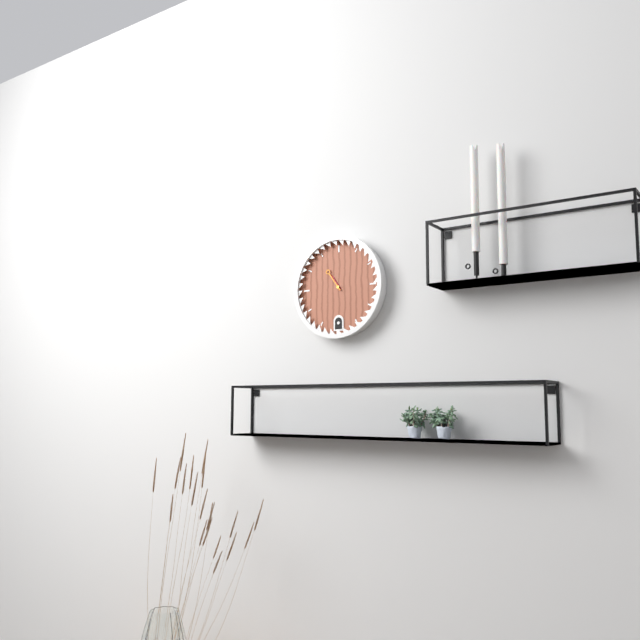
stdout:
h=10 m=54
